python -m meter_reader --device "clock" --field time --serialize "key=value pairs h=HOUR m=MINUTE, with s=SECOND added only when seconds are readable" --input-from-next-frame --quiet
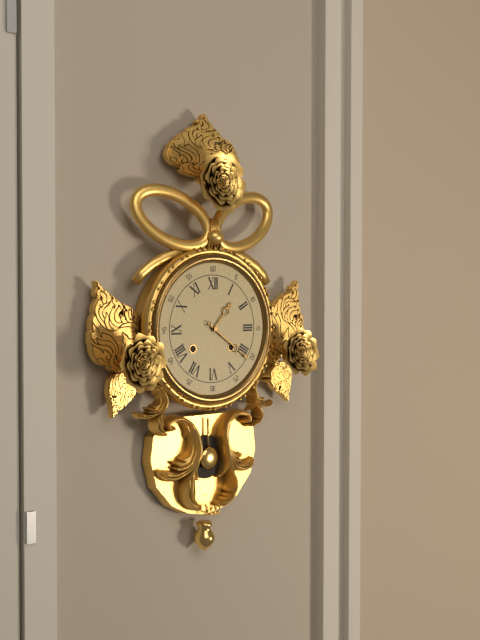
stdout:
h=1 m=21
